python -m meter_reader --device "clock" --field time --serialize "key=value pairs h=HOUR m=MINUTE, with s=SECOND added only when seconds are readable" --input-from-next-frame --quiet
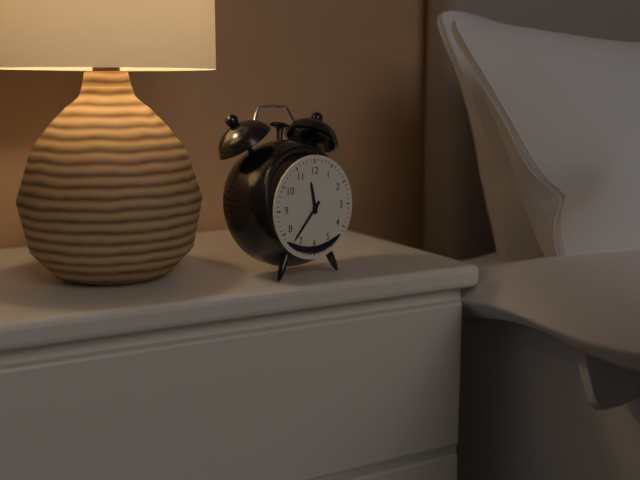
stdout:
h=11 m=37
